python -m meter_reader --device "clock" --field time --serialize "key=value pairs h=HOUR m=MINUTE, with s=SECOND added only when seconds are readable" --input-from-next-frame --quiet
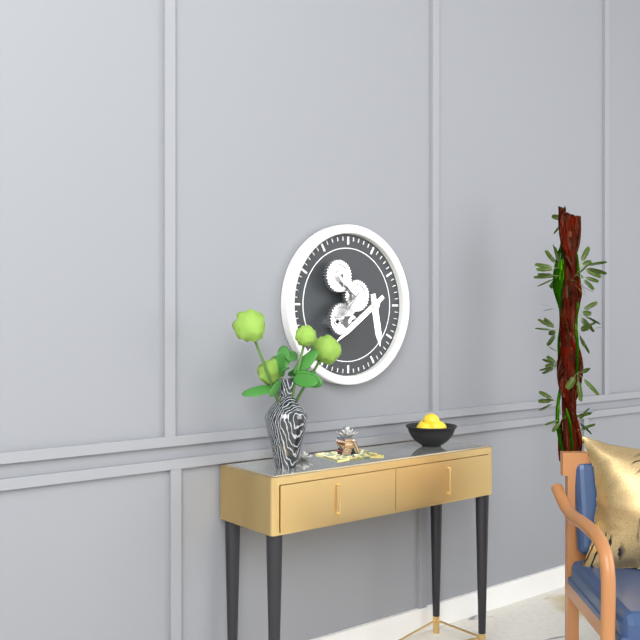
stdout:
h=5 m=39
